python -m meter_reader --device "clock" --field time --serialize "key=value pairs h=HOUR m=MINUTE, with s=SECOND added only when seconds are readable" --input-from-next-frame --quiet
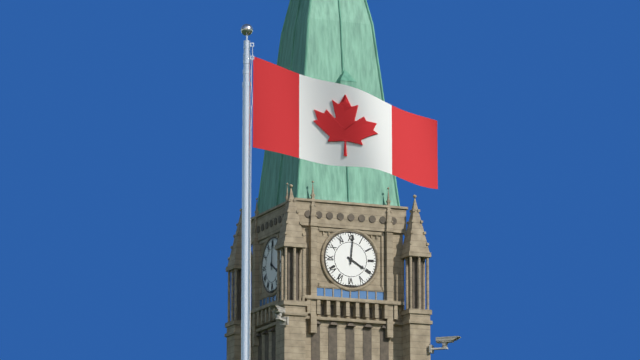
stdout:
h=4 m=1
